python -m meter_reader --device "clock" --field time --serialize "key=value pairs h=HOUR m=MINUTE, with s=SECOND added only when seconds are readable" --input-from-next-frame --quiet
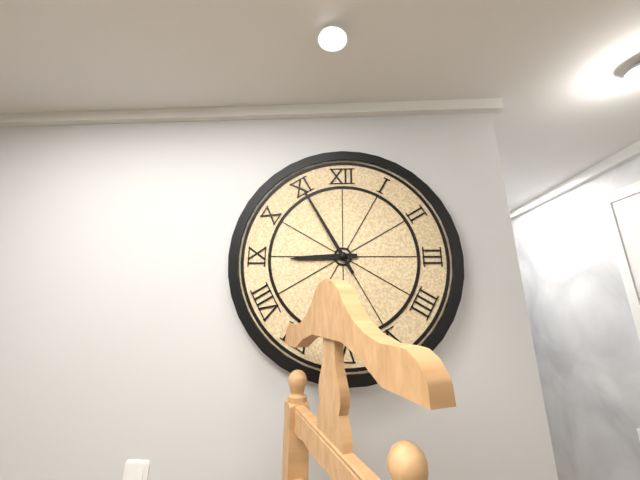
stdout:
h=8 m=55
